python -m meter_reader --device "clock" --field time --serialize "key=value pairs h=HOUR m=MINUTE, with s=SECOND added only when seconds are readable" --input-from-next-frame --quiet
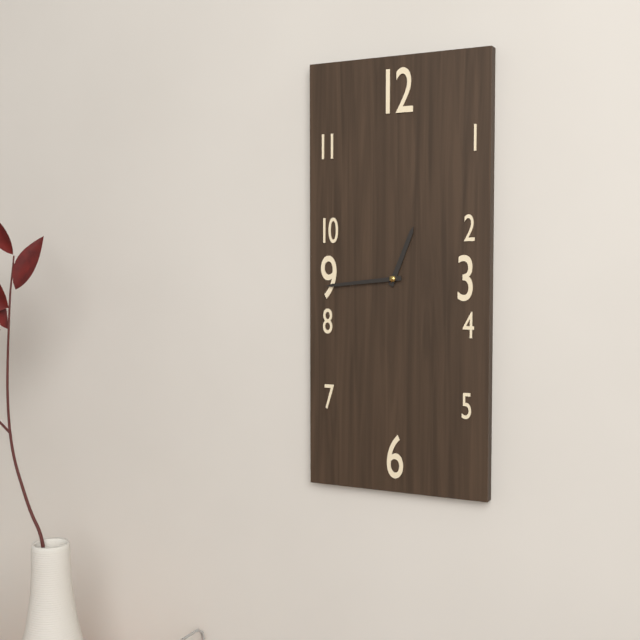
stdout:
h=12 m=44
